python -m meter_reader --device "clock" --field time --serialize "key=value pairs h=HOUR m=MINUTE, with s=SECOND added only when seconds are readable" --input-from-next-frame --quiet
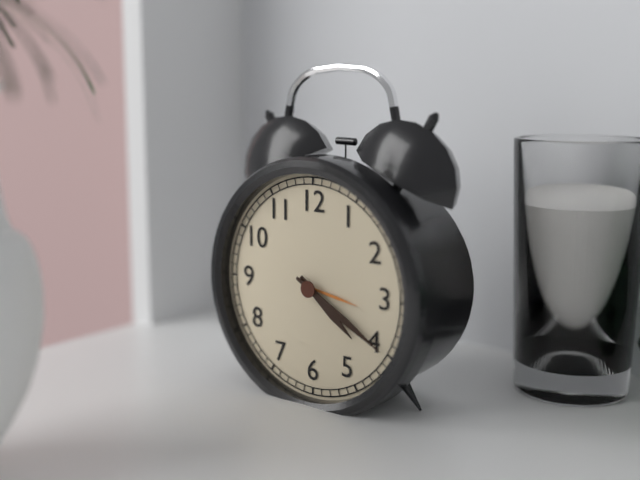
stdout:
h=4 m=20
